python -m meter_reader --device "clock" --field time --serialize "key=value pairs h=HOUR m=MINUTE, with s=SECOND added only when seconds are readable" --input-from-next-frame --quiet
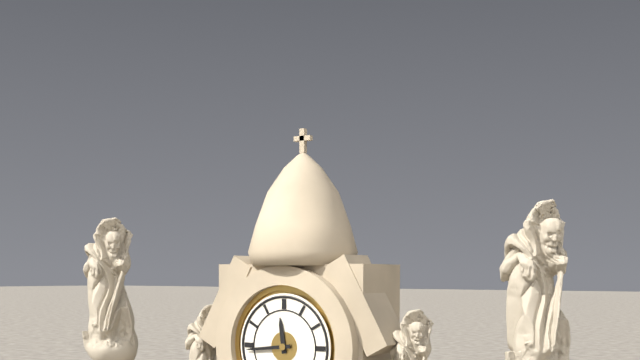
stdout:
h=11 m=44
